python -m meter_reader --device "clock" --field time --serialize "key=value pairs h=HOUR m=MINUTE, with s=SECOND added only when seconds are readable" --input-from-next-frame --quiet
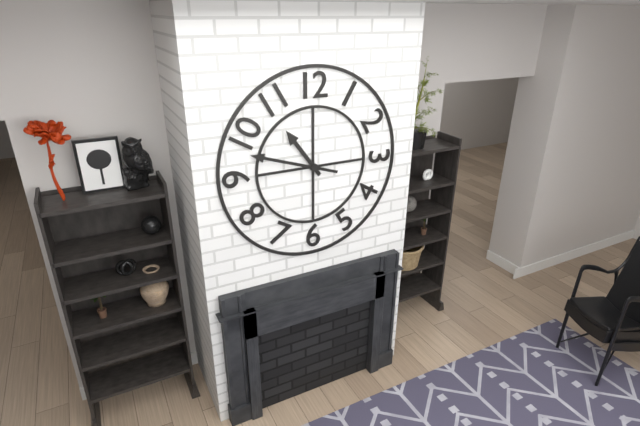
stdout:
h=10 m=48
